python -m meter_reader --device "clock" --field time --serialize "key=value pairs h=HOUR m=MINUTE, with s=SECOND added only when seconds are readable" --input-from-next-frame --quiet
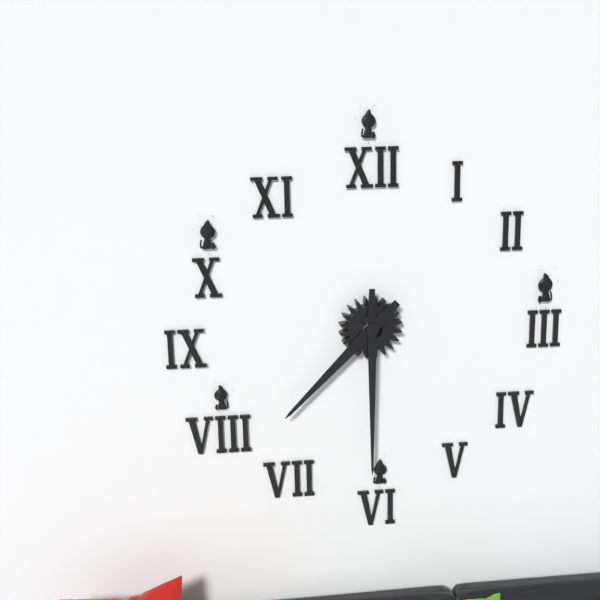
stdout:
h=7 m=30
